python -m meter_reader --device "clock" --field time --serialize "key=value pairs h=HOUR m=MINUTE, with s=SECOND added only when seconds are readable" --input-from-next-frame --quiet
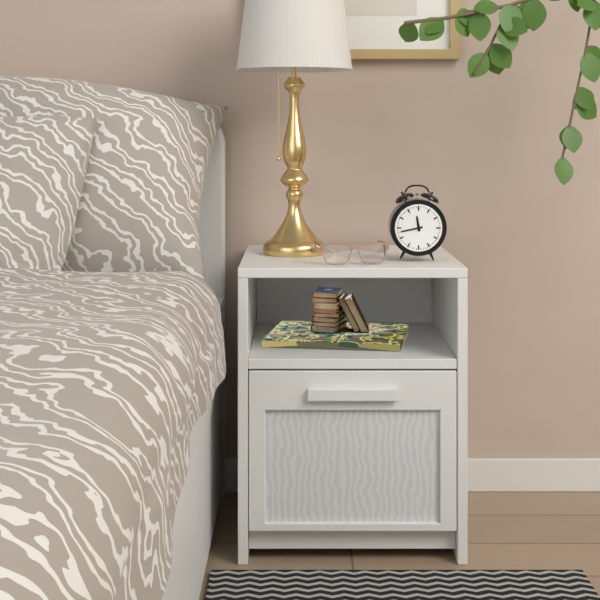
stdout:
h=11 m=43
